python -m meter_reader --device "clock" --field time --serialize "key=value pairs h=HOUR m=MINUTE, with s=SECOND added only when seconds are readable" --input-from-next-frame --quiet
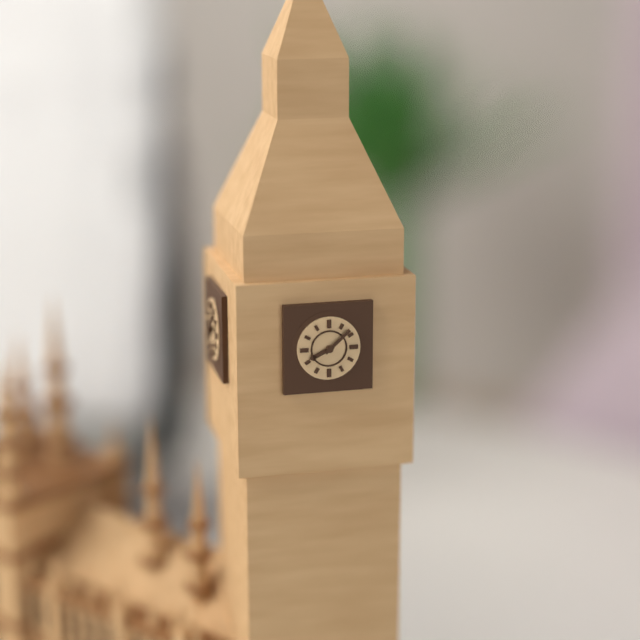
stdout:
h=8 m=8
